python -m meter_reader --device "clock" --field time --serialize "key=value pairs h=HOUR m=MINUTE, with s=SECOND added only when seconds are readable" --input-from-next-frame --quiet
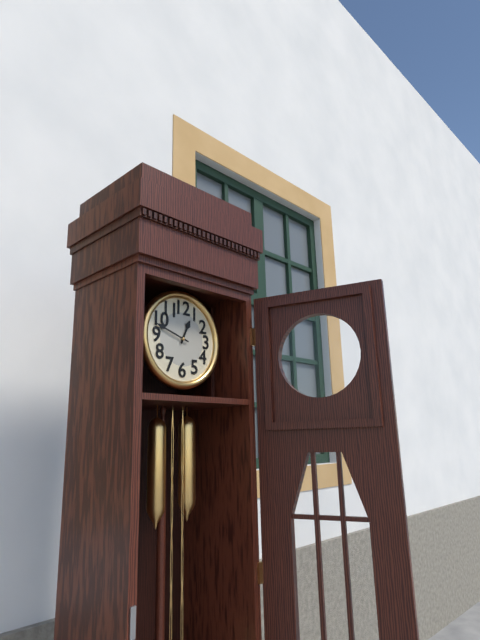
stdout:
h=12 m=48
